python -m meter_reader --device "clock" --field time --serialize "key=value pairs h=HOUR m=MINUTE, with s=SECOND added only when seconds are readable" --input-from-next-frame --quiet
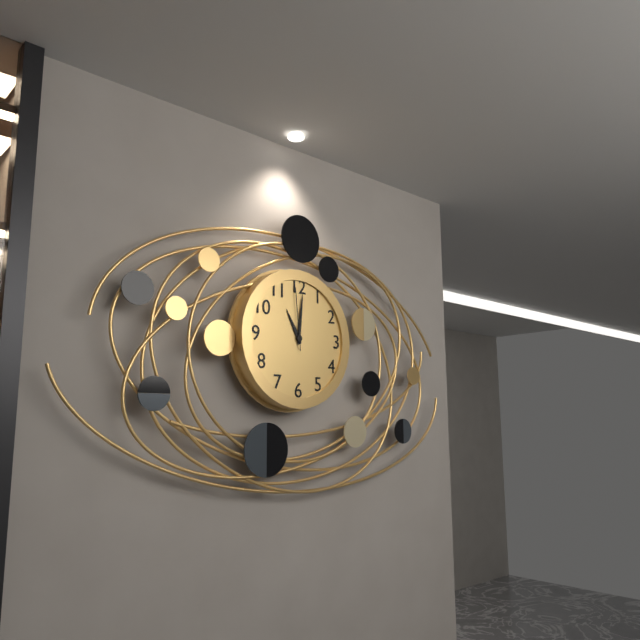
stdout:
h=11 m=1 s=59
